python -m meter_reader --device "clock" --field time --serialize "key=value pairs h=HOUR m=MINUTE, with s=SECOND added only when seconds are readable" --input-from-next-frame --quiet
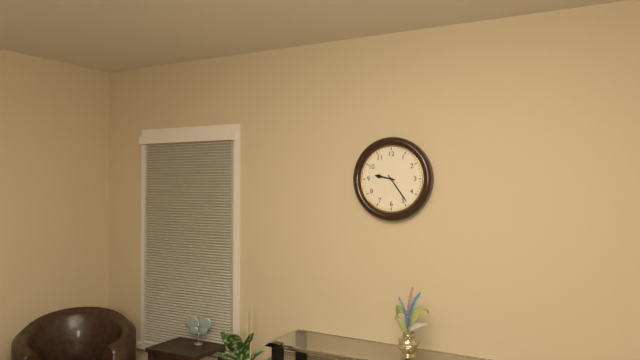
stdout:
h=9 m=24
